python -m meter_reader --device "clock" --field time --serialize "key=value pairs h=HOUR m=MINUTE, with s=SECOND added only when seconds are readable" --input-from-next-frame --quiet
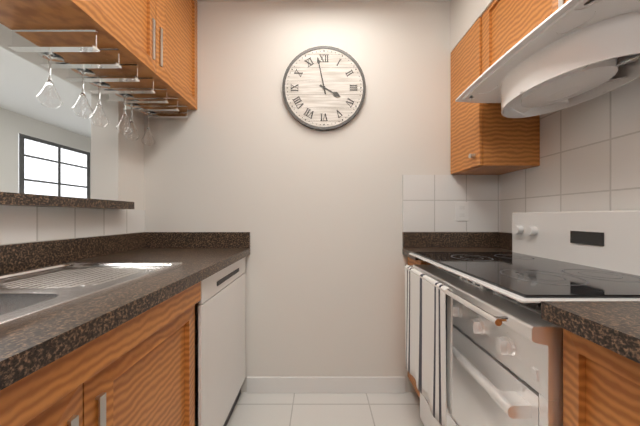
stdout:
h=3 m=58
